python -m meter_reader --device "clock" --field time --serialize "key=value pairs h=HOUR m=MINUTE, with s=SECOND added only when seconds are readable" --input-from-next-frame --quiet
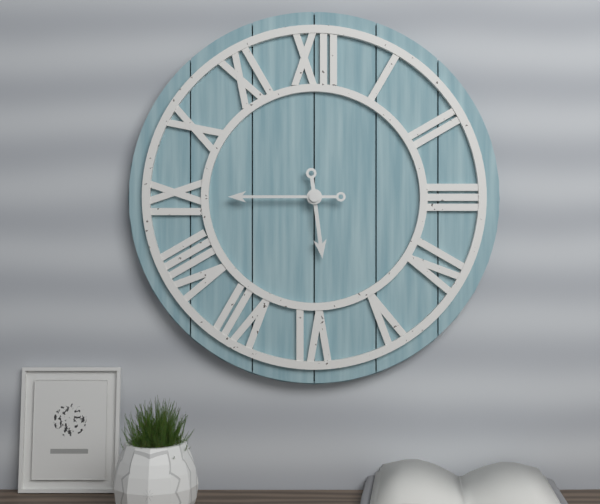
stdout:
h=5 m=45
